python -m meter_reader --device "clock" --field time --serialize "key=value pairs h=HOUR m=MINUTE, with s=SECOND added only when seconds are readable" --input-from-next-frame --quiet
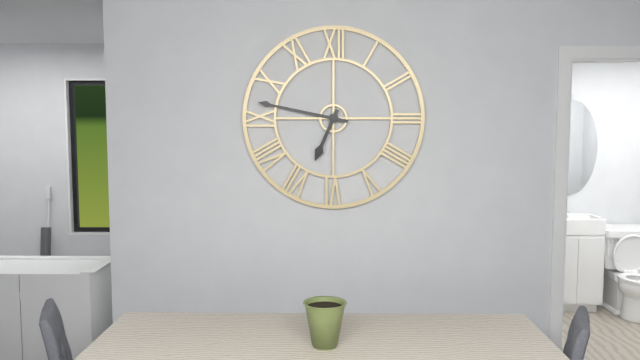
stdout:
h=6 m=47
